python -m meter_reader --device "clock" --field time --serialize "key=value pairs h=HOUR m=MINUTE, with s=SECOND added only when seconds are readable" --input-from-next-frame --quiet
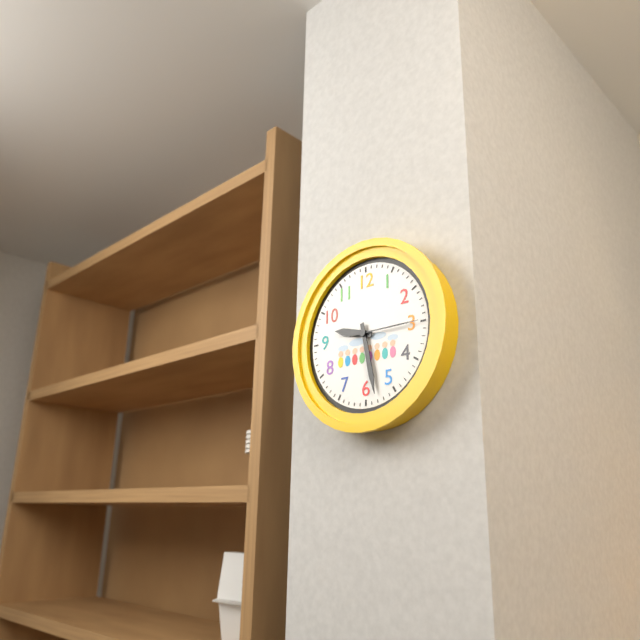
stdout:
h=9 m=28 s=15
